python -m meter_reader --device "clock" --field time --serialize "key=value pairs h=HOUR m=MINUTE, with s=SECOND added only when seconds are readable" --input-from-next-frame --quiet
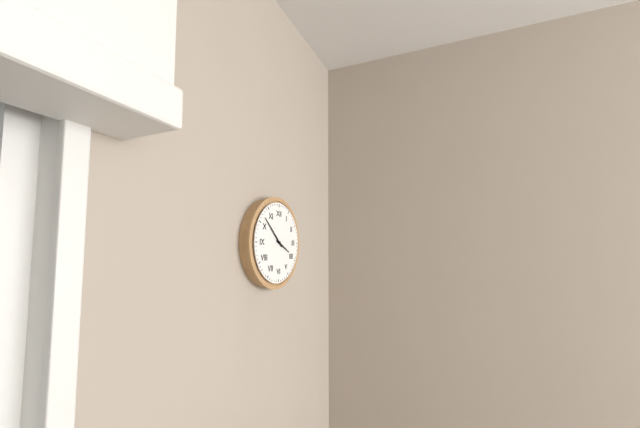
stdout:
h=3 m=52
